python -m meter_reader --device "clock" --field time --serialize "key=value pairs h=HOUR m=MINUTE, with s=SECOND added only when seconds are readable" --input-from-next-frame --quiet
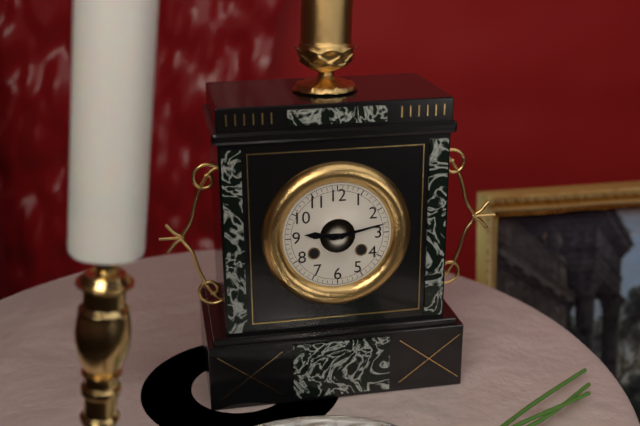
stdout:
h=9 m=13
